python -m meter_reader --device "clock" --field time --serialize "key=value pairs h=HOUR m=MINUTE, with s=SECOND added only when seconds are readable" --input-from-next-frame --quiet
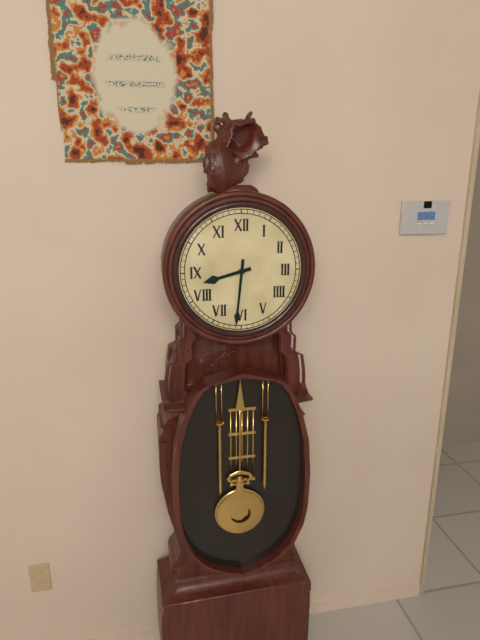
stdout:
h=8 m=31
